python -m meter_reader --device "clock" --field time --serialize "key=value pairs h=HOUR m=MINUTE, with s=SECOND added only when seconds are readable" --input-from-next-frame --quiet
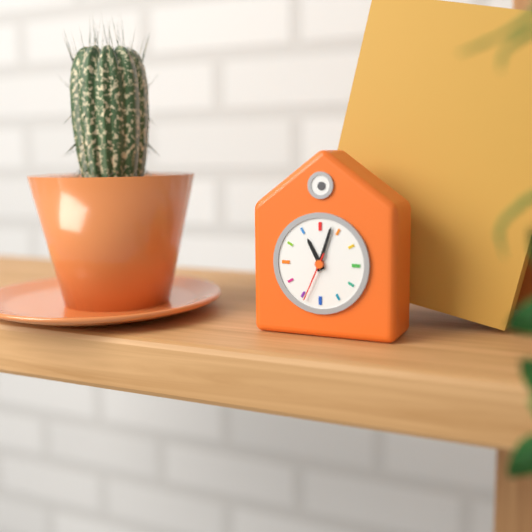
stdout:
h=11 m=3 s=34
